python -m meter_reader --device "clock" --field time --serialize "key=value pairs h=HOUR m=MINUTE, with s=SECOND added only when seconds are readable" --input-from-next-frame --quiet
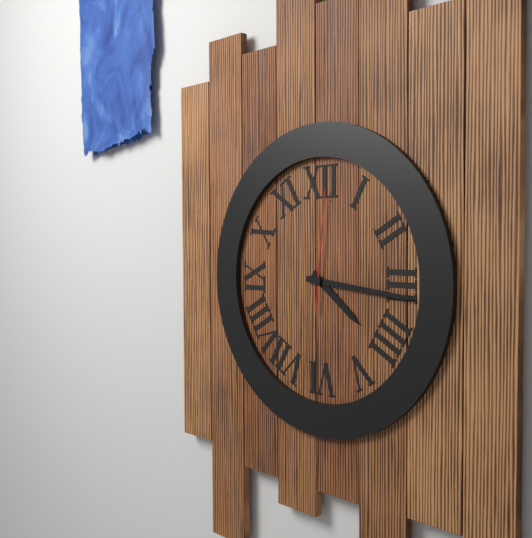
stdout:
h=4 m=16 s=1
